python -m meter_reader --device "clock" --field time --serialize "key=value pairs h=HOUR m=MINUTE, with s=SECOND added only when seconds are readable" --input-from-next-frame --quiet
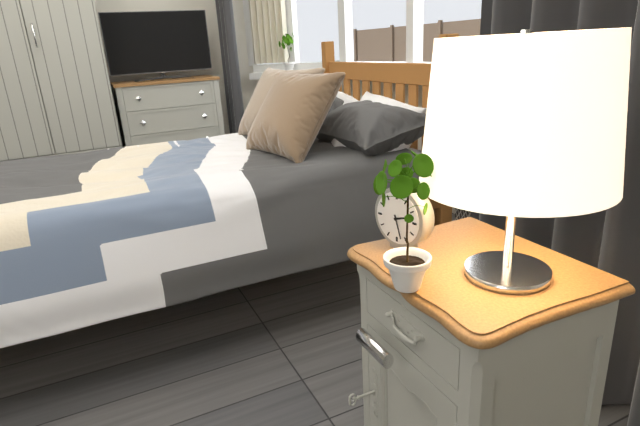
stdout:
h=2 m=27
